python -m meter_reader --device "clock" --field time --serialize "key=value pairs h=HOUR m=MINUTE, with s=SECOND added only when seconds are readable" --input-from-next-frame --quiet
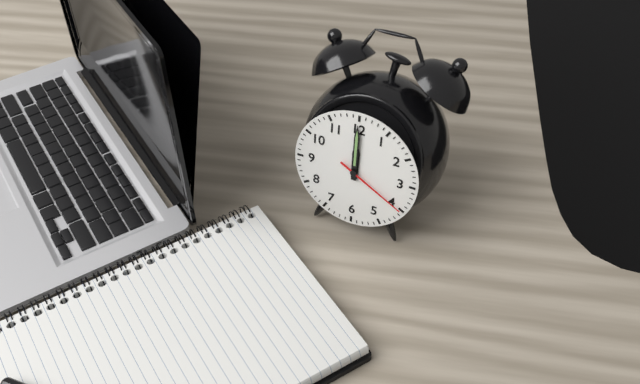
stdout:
h=12 m=0 s=20
